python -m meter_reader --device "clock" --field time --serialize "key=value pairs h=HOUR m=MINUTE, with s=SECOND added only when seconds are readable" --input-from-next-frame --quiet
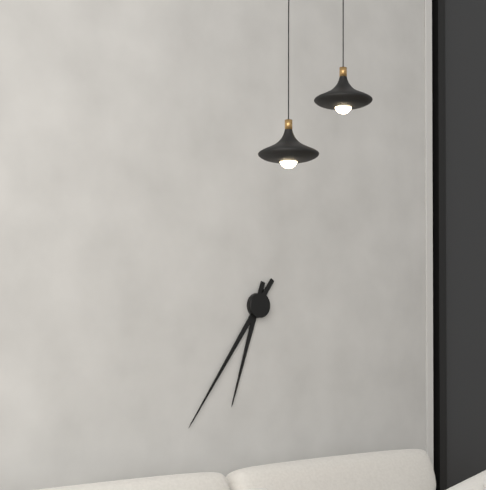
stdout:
h=6 m=36
